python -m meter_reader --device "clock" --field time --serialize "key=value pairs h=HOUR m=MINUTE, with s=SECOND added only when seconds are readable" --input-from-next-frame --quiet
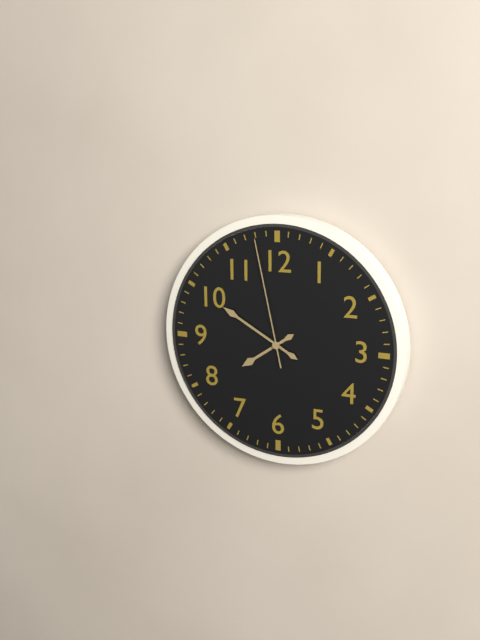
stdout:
h=7 m=50 s=58
